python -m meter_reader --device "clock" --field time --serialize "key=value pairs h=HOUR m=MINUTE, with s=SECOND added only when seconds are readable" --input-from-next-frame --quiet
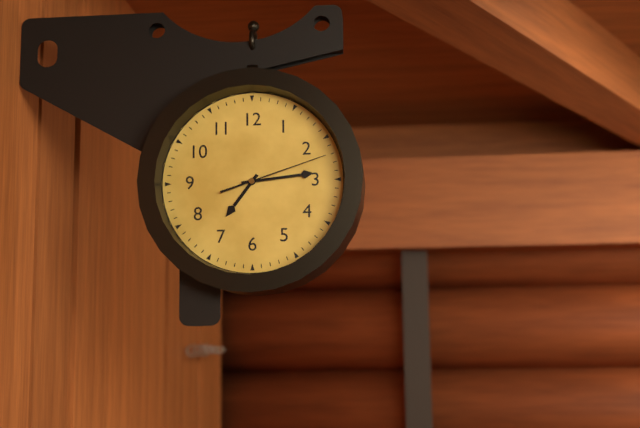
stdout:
h=7 m=14 s=12
